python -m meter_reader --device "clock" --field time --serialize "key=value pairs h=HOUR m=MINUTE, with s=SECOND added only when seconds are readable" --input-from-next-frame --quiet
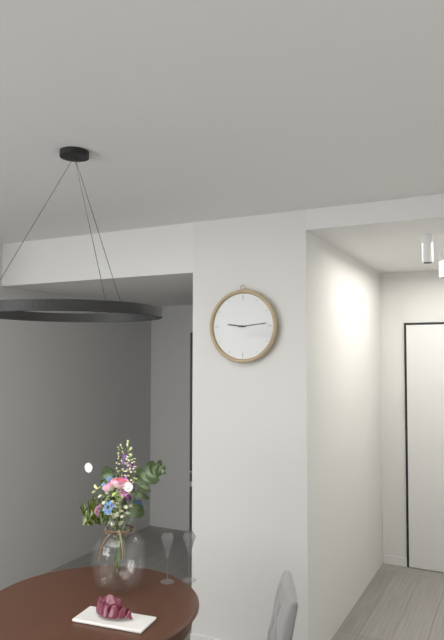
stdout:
h=9 m=14
